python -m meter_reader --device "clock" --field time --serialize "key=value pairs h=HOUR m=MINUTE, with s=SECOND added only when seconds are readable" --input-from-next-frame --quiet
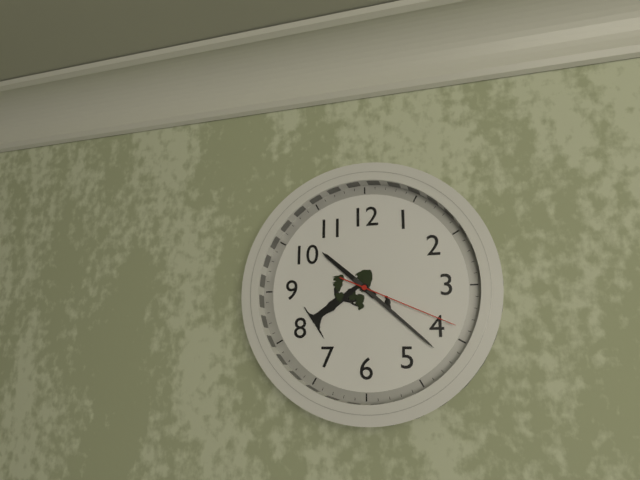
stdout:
h=10 m=22 s=19
